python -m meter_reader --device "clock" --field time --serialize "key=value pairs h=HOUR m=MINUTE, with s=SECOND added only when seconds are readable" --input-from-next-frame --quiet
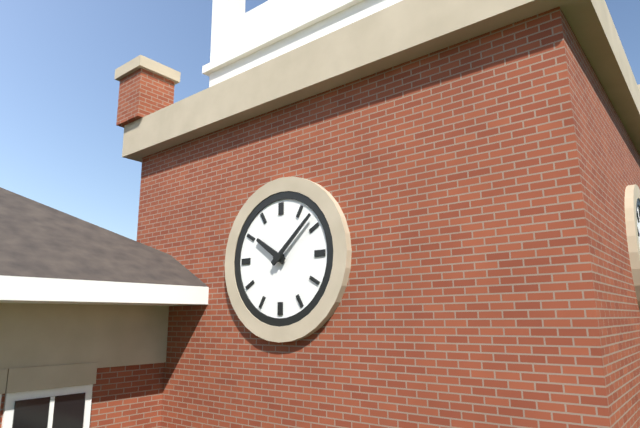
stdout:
h=10 m=8
